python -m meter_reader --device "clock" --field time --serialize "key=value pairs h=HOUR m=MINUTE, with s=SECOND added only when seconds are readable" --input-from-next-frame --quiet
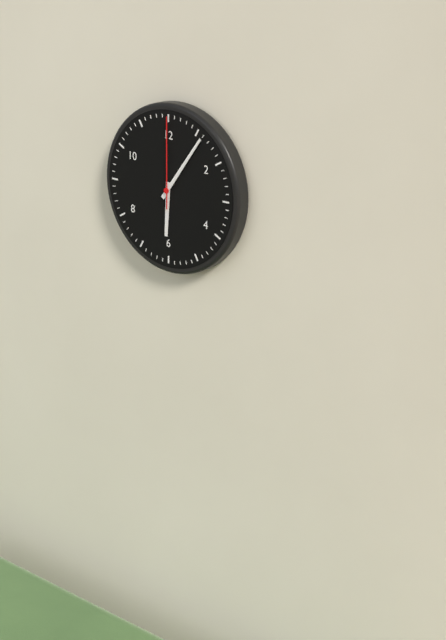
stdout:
h=6 m=6 s=0
